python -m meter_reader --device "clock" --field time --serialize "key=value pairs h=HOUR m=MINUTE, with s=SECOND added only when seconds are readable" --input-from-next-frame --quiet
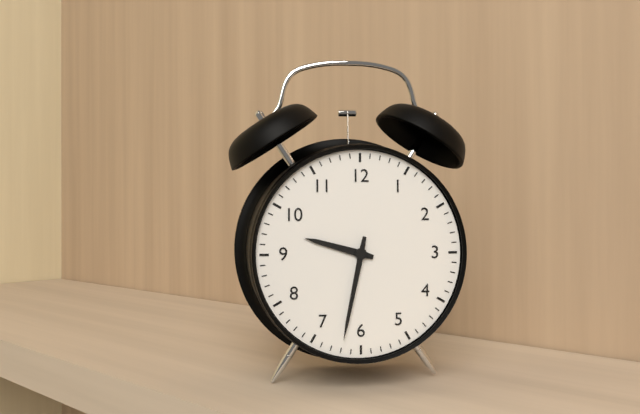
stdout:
h=9 m=32
